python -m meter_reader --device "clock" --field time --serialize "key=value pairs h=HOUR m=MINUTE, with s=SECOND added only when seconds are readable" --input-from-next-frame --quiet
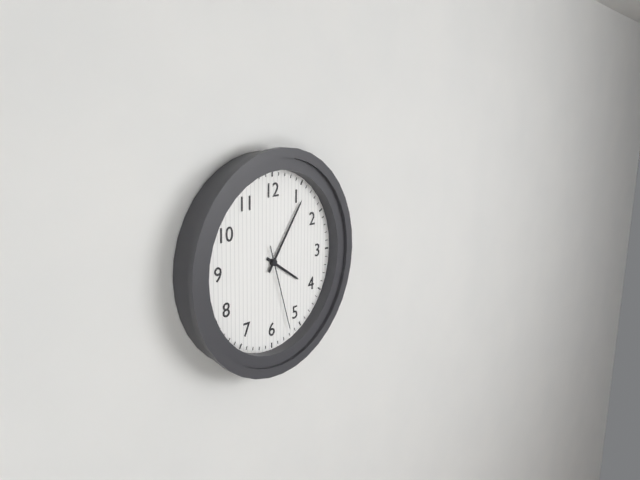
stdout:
h=4 m=6 s=27
